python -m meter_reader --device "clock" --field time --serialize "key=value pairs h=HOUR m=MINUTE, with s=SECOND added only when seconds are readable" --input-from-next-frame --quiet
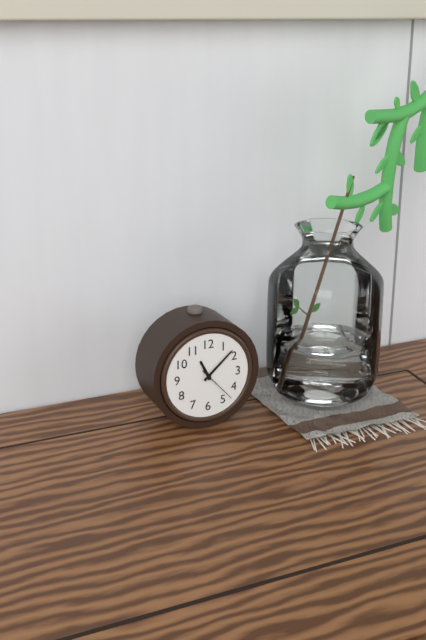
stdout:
h=11 m=8
